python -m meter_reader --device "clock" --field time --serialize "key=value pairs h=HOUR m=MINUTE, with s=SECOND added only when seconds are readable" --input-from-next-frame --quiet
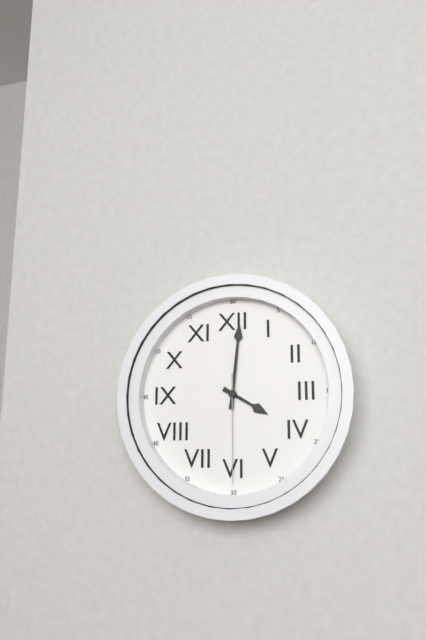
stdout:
h=4 m=1 s=30
